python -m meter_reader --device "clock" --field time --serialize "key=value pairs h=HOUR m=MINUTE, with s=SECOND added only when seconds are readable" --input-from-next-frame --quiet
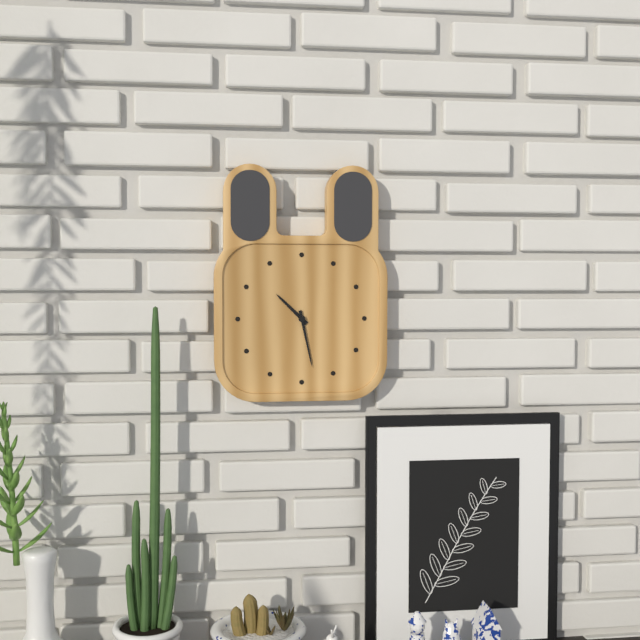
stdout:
h=10 m=28
